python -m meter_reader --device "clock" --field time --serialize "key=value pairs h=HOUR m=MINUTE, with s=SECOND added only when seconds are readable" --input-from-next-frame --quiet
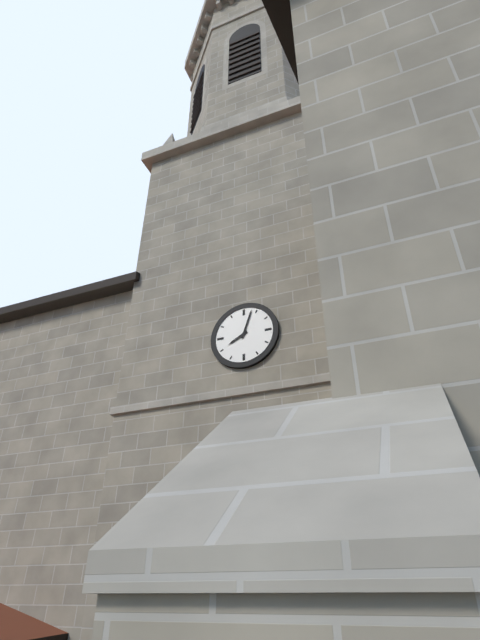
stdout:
h=8 m=3
